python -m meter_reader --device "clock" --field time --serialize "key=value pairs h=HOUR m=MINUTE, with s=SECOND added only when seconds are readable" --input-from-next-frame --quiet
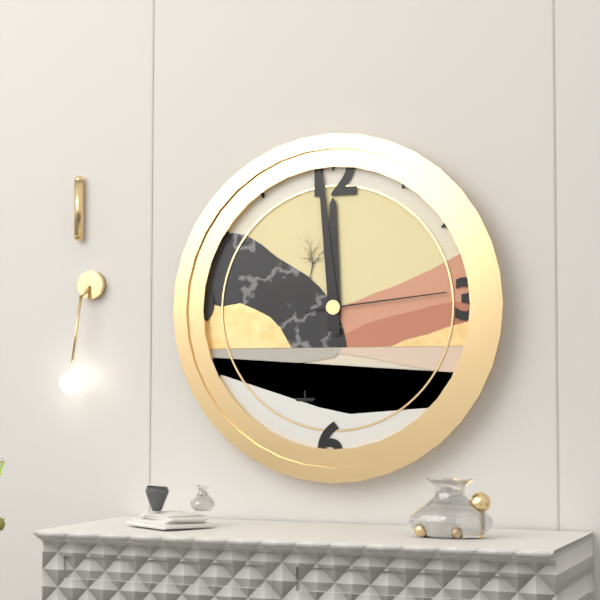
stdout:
h=11 m=59 s=14
